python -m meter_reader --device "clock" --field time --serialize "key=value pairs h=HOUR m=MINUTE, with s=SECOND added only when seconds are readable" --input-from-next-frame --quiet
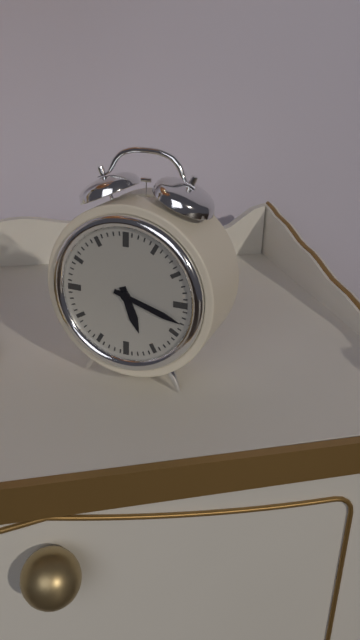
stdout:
h=5 m=18
